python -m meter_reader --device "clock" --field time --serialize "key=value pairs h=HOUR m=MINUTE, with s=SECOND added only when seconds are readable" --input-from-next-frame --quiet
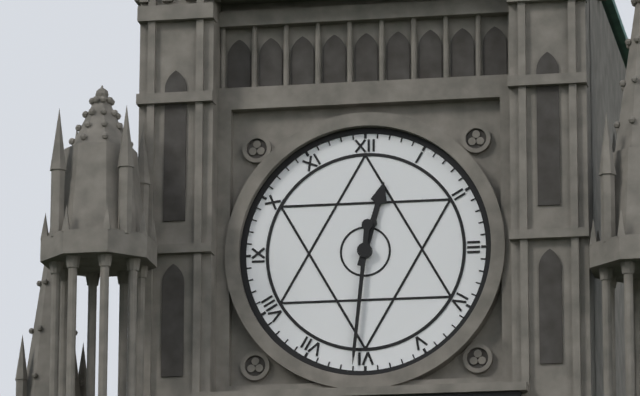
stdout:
h=12 m=31
